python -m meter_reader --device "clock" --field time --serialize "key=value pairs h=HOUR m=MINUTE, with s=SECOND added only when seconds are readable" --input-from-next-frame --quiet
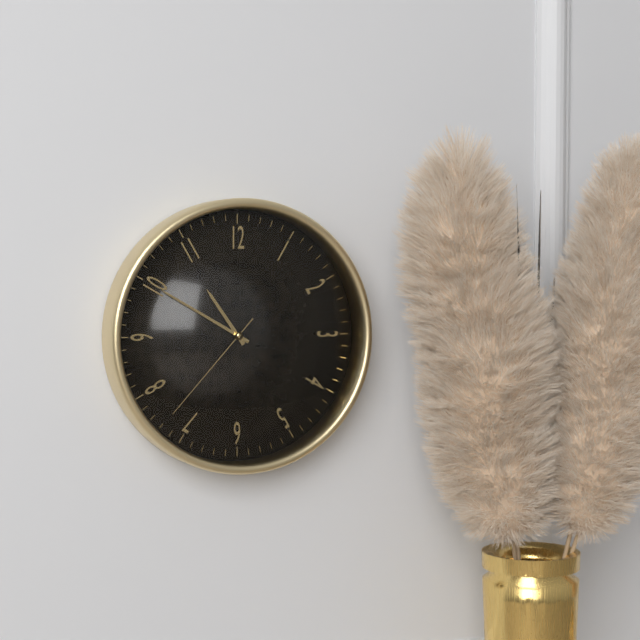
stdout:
h=10 m=50 s=37
